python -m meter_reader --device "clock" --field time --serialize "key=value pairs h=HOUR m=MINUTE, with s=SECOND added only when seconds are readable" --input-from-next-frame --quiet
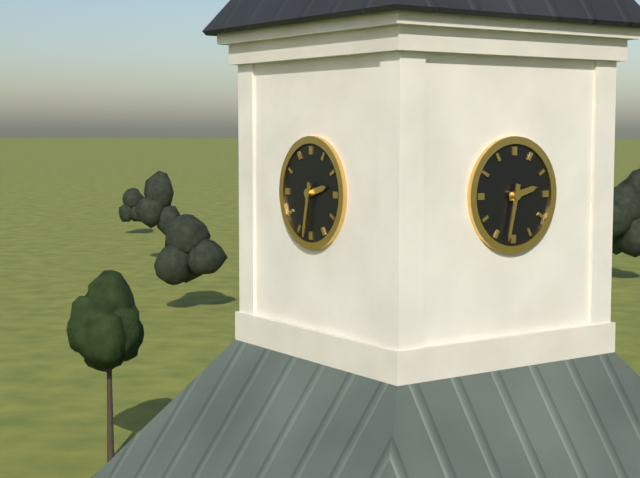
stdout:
h=2 m=32
